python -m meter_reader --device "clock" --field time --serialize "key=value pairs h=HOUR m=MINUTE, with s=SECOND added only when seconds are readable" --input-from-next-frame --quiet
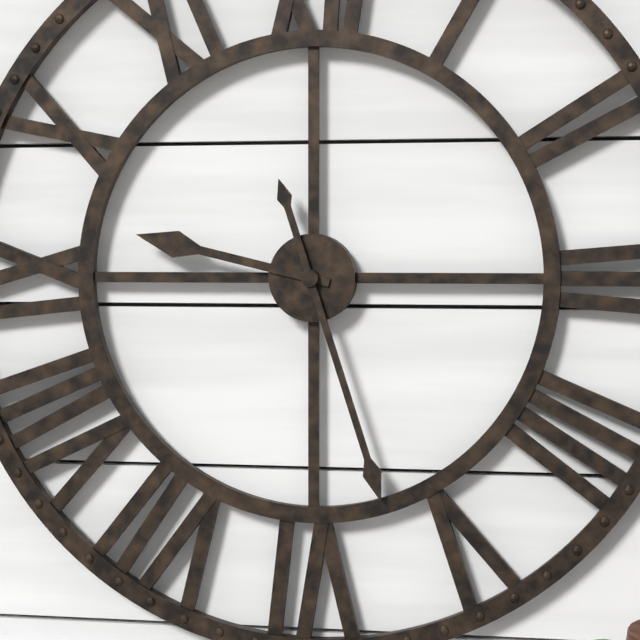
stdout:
h=9 m=27
